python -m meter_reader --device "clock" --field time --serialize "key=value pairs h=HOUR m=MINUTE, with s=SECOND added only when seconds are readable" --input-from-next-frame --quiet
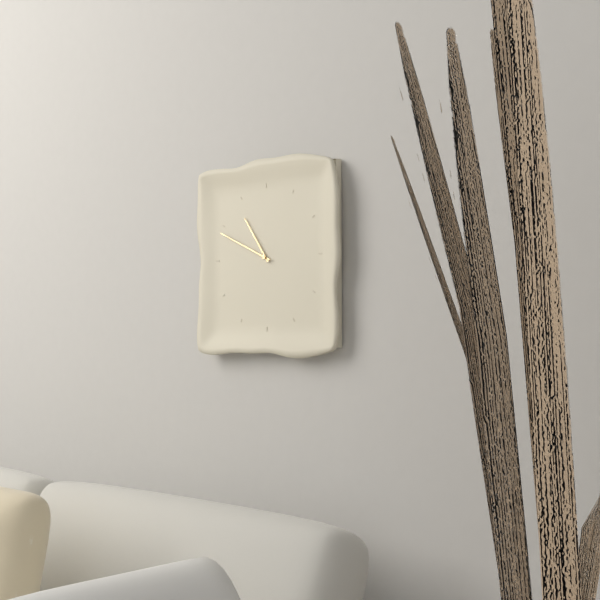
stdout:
h=10 m=49
